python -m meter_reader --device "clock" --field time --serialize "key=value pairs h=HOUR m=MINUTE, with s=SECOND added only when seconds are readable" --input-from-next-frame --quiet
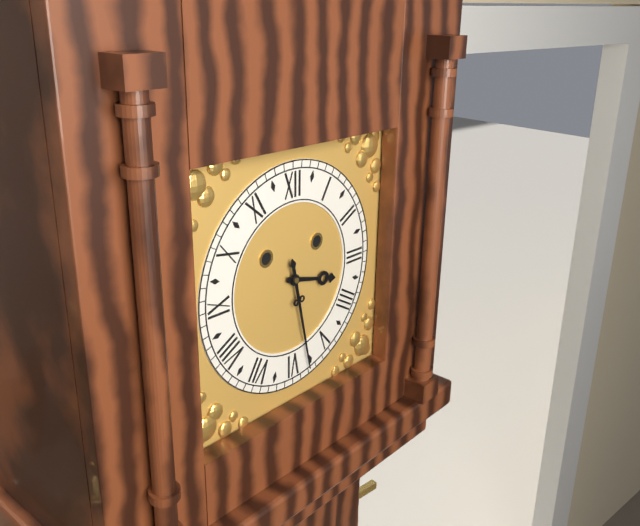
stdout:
h=3 m=28
